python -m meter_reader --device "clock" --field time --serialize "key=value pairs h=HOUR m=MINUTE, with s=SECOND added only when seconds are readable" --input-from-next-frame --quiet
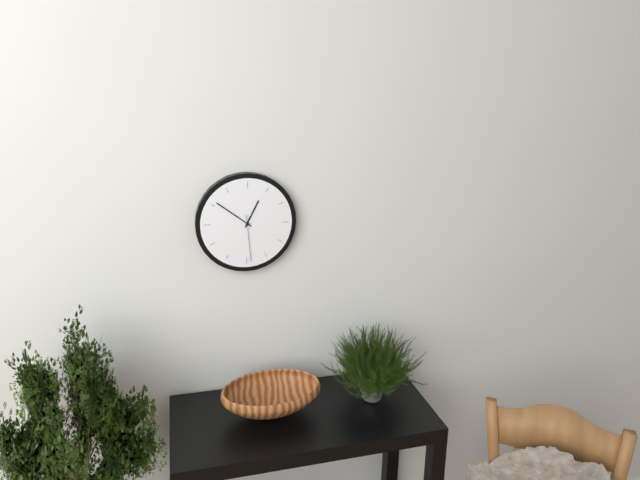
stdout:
h=12 m=51
